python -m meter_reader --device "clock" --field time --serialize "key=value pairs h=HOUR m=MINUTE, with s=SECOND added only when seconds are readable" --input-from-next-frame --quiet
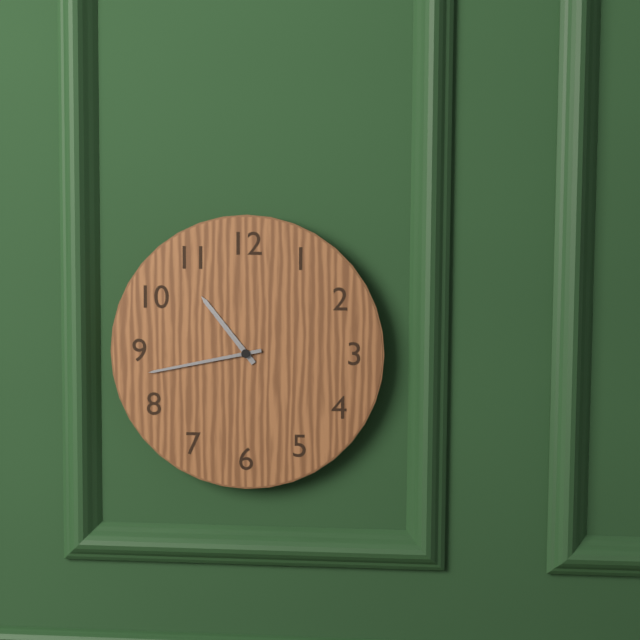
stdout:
h=10 m=43
